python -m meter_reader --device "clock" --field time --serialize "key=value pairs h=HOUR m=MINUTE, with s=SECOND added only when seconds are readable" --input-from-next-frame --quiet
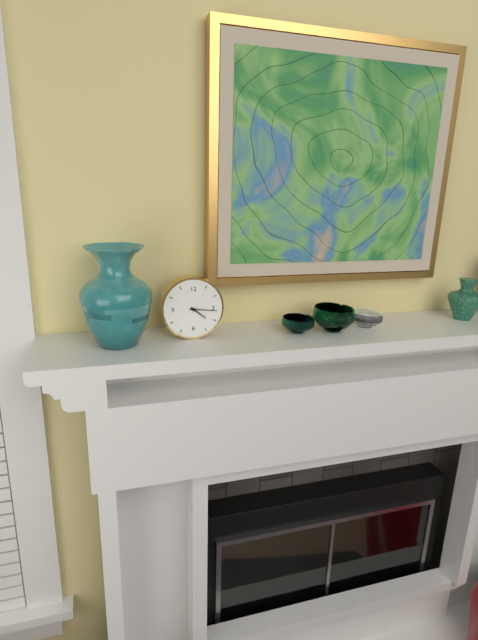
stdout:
h=4 m=16
